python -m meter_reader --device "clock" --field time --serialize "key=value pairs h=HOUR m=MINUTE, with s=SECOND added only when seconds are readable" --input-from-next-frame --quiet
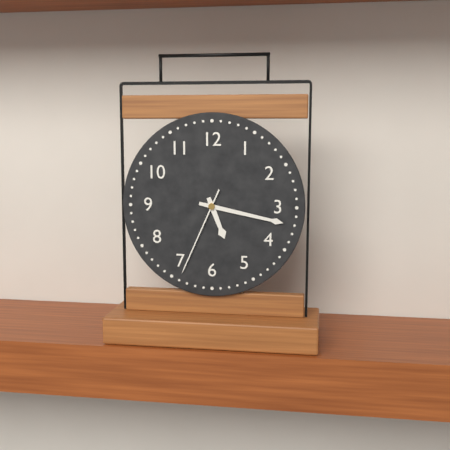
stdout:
h=5 m=17 s=34
